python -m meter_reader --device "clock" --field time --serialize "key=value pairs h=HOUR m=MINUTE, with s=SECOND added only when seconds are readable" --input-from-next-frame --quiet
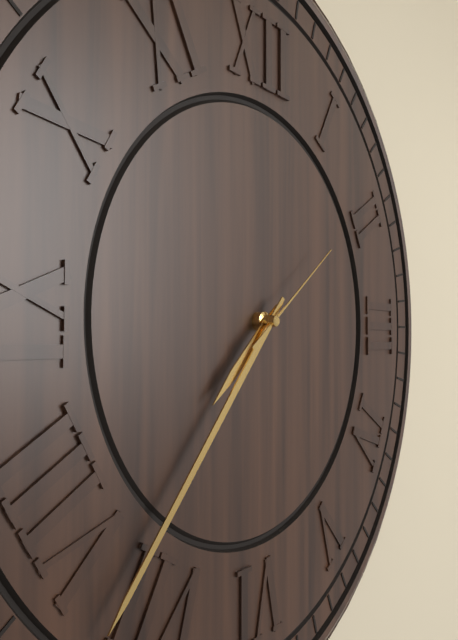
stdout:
h=7 m=37 s=9
